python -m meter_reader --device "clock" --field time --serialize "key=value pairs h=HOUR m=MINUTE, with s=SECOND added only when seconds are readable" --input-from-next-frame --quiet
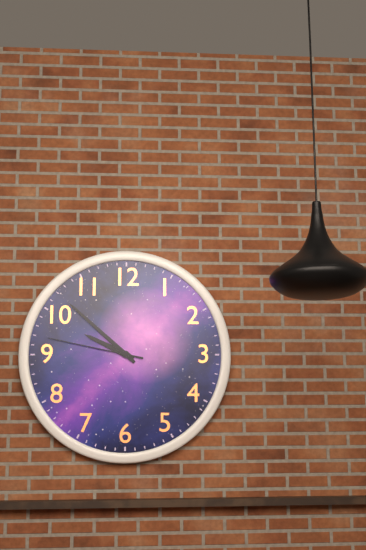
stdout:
h=9 m=52 s=47
